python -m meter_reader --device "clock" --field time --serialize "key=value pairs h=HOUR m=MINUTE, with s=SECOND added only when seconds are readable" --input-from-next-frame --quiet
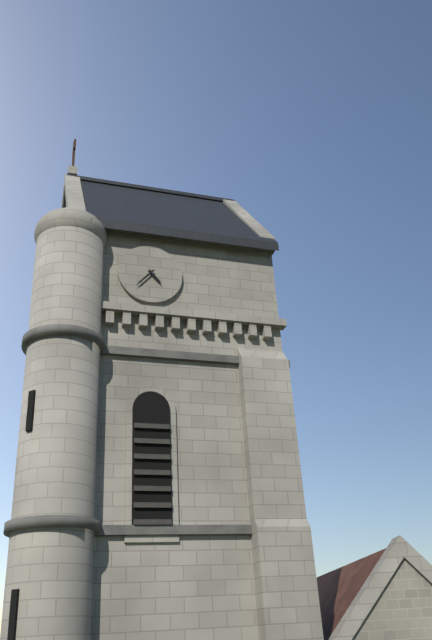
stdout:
h=4 m=37
